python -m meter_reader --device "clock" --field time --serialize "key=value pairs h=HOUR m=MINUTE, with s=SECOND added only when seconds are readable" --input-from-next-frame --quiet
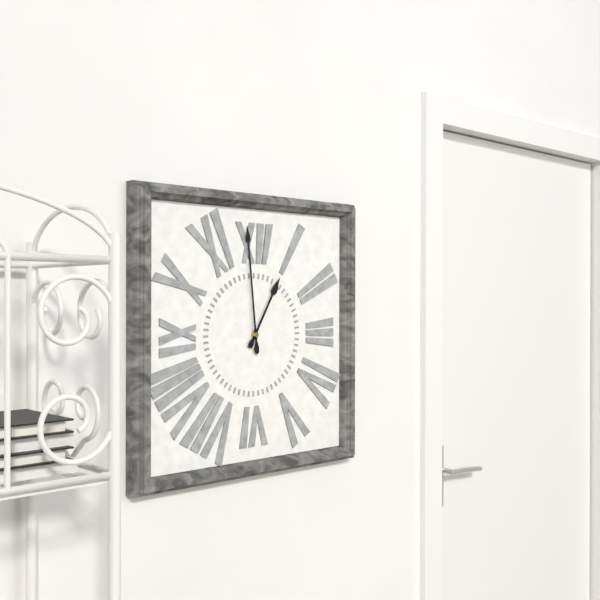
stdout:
h=12 m=59
